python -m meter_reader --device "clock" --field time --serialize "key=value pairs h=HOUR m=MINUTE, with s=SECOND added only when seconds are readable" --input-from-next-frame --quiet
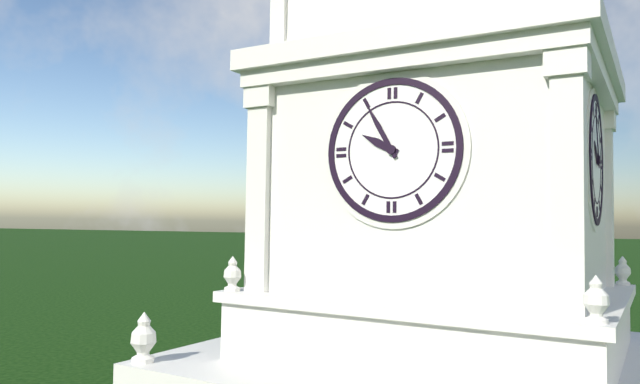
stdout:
h=9 m=55
